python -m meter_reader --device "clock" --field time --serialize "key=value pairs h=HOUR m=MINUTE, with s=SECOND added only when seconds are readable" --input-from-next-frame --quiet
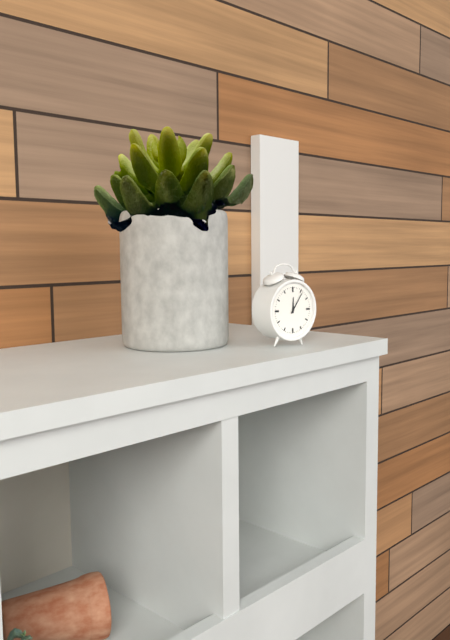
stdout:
h=12 m=6
